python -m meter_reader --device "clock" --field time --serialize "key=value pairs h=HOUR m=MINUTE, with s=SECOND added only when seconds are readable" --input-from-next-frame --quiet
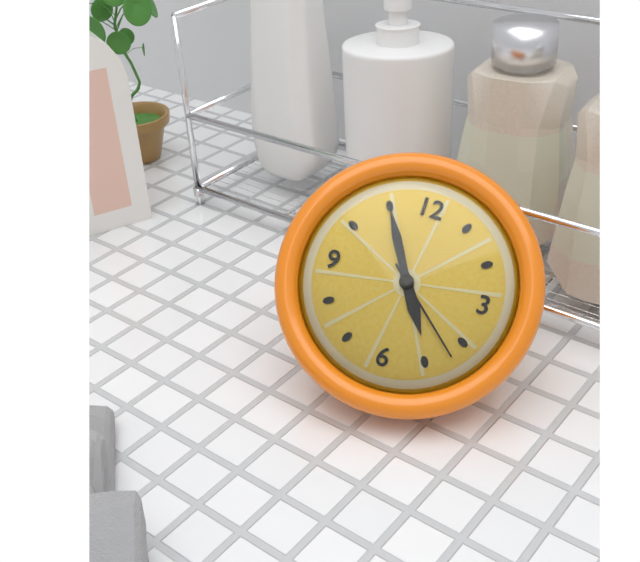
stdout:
h=4 m=55 s=22
